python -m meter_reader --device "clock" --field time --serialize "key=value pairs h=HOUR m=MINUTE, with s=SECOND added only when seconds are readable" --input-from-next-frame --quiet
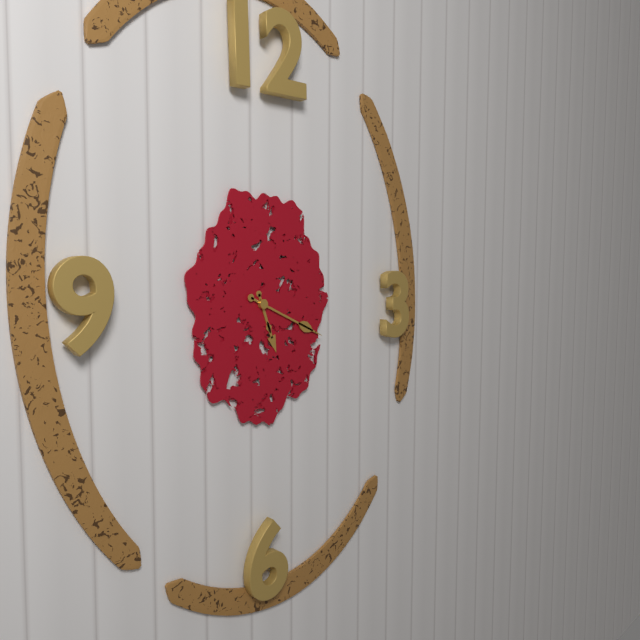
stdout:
h=5 m=19
